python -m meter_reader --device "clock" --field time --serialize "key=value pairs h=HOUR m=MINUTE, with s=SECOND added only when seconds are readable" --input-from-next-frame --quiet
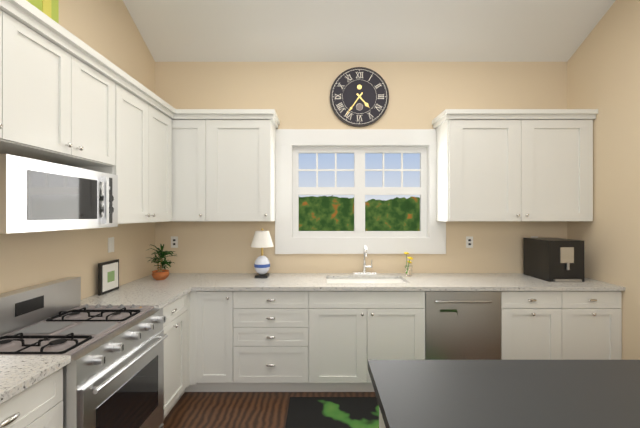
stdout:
h=4 m=36
